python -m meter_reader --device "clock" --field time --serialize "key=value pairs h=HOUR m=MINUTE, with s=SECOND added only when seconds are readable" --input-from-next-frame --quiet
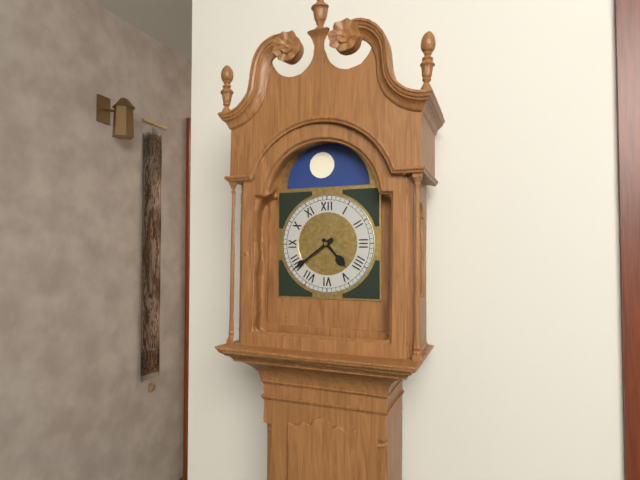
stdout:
h=4 m=39
